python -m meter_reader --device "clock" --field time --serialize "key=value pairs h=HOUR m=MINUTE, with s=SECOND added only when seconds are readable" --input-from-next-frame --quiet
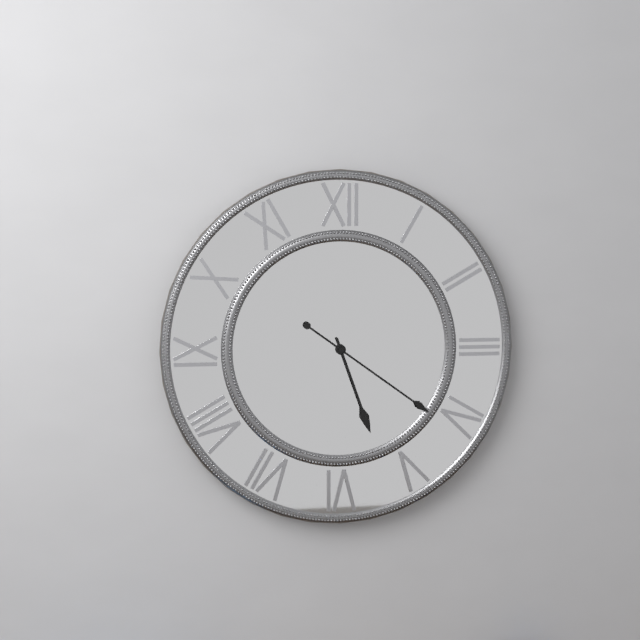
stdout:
h=5 m=21
